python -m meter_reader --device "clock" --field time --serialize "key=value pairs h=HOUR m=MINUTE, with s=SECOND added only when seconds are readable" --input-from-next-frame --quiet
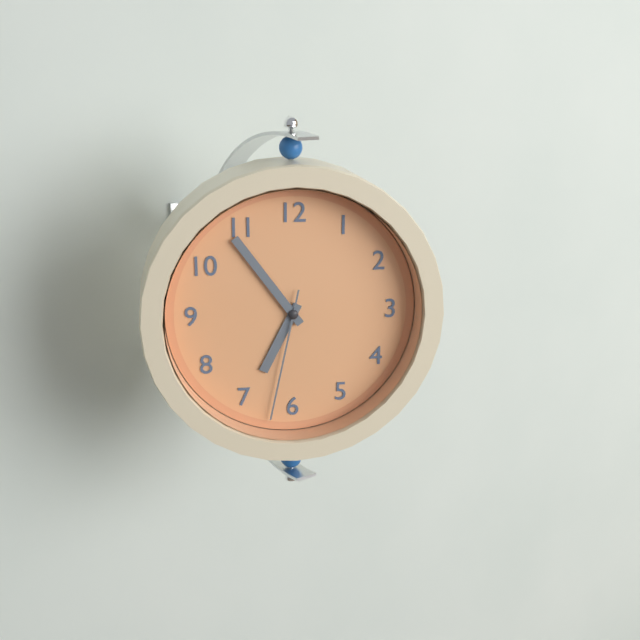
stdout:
h=6 m=54 s=32
